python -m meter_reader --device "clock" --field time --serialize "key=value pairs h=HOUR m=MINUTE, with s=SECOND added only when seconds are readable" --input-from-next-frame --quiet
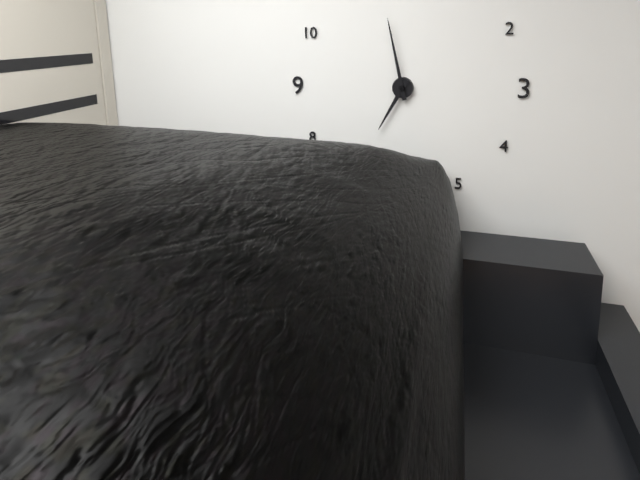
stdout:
h=6 m=58
